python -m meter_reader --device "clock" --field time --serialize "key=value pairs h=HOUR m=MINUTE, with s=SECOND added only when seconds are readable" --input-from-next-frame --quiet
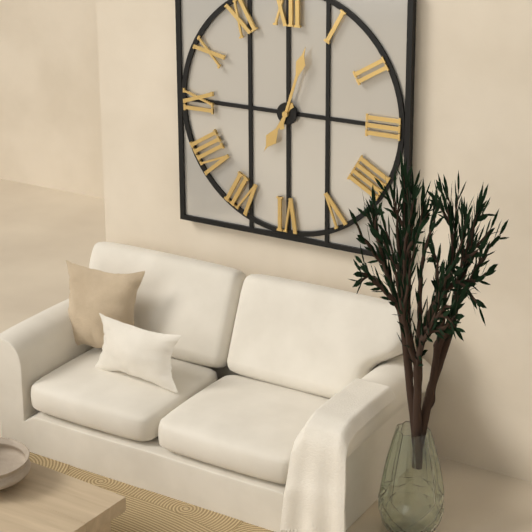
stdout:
h=7 m=3
